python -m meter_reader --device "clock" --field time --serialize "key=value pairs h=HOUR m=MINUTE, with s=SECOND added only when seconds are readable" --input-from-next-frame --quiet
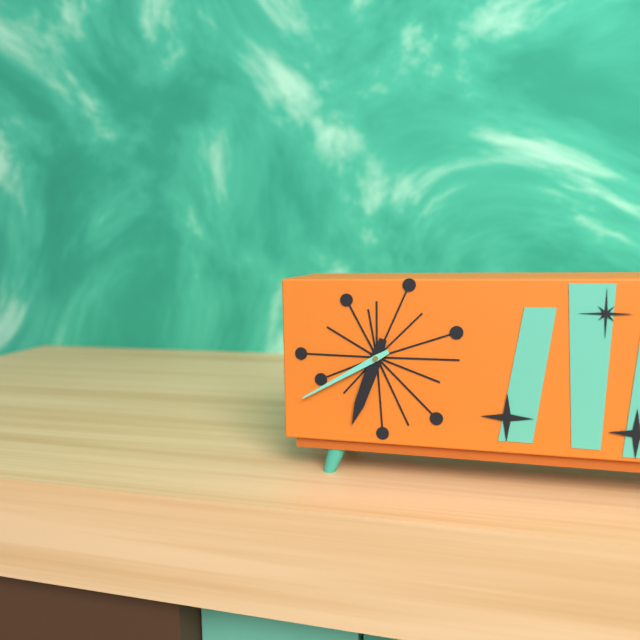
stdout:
h=6 m=40
